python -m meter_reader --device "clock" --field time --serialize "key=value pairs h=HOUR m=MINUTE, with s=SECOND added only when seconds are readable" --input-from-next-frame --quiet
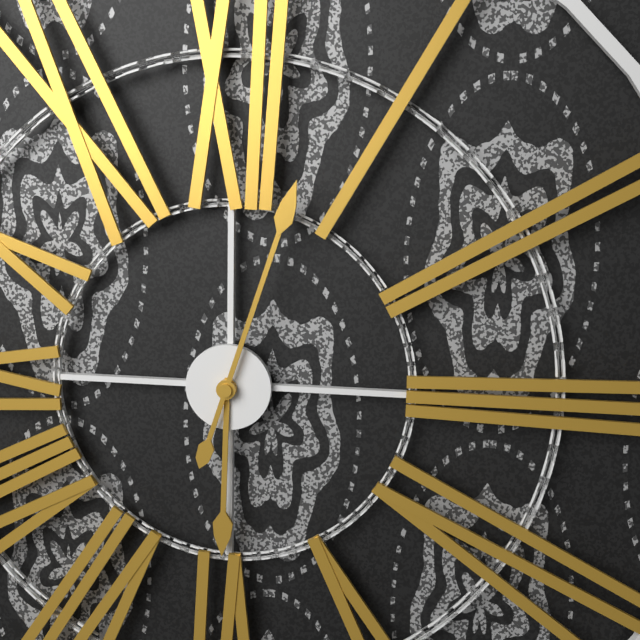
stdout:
h=6 m=3
